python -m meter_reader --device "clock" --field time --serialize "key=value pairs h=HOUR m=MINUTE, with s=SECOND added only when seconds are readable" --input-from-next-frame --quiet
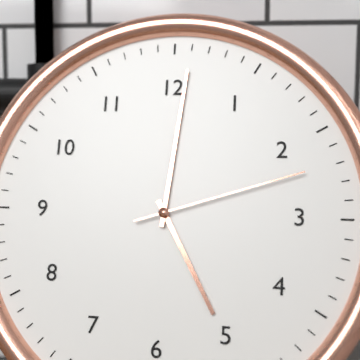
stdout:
h=5 m=1 s=12
